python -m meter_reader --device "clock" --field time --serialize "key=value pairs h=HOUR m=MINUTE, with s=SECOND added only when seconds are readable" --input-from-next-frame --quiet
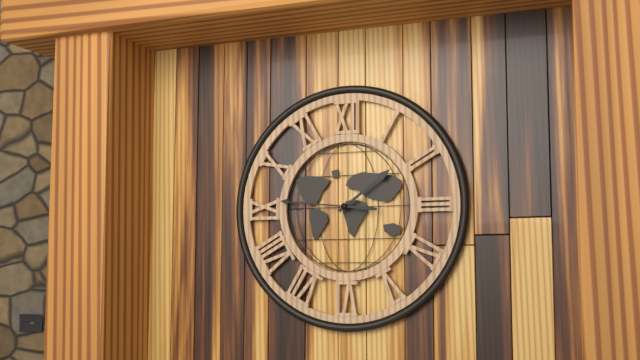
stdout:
h=1 m=46
